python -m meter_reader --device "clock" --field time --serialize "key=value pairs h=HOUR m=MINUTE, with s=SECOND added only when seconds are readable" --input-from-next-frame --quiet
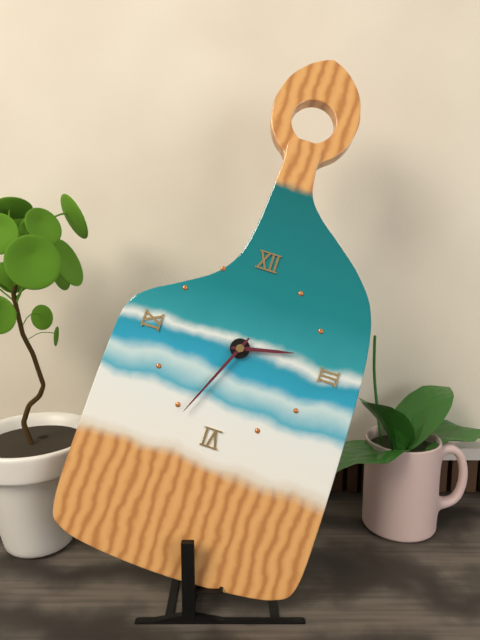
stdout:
h=2 m=34
